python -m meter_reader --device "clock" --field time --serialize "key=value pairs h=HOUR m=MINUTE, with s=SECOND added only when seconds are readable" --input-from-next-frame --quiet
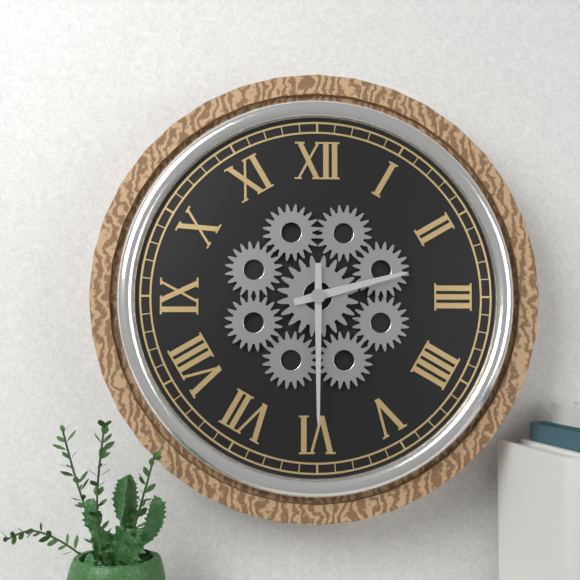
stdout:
h=2 m=30
